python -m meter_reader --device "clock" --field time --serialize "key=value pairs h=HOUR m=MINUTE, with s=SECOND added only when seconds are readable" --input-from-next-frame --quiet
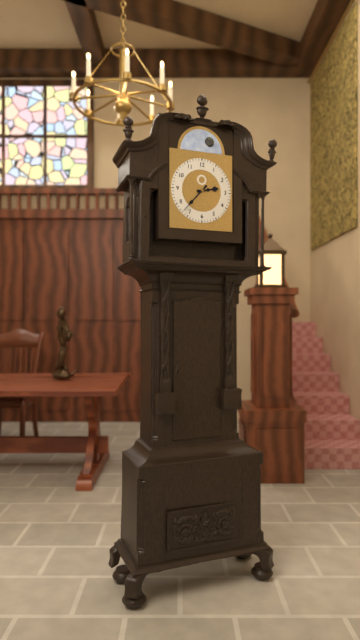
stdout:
h=2 m=37
